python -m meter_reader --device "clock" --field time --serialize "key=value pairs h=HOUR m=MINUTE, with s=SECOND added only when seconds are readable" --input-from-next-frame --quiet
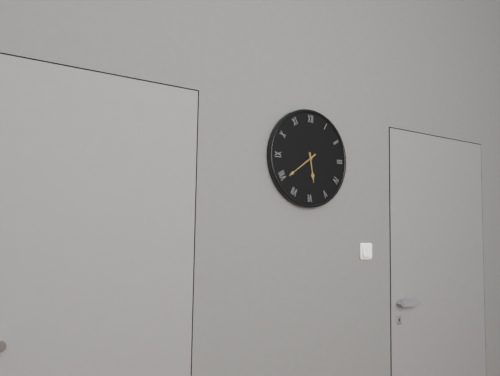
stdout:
h=5 m=39
